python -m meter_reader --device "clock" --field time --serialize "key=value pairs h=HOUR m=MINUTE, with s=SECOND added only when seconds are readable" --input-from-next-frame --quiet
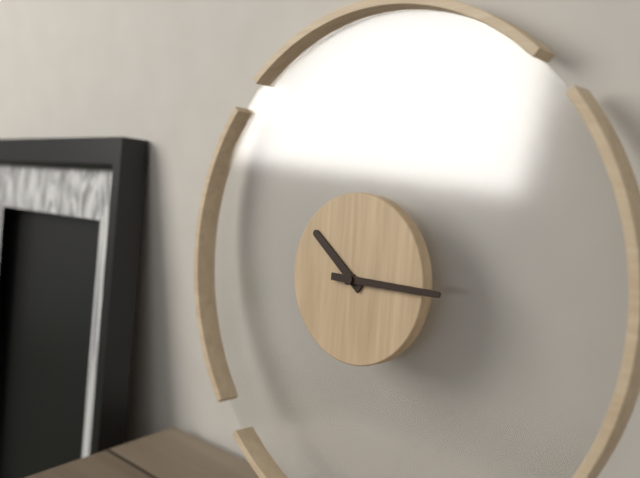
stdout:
h=10 m=15
